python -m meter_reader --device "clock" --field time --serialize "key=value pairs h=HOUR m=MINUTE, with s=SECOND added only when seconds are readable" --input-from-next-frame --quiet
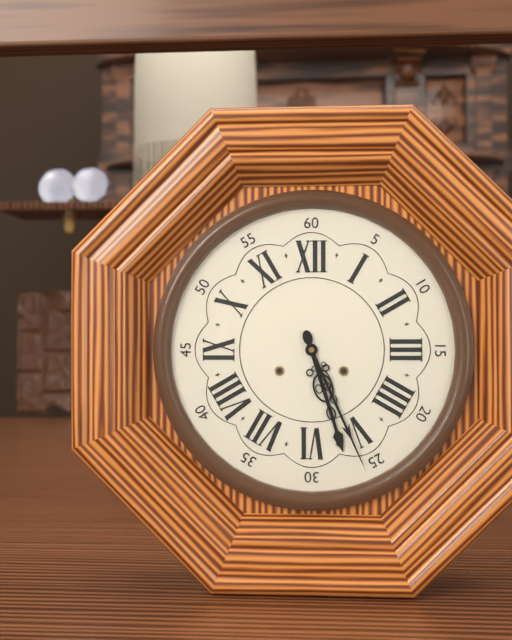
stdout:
h=5 m=26
